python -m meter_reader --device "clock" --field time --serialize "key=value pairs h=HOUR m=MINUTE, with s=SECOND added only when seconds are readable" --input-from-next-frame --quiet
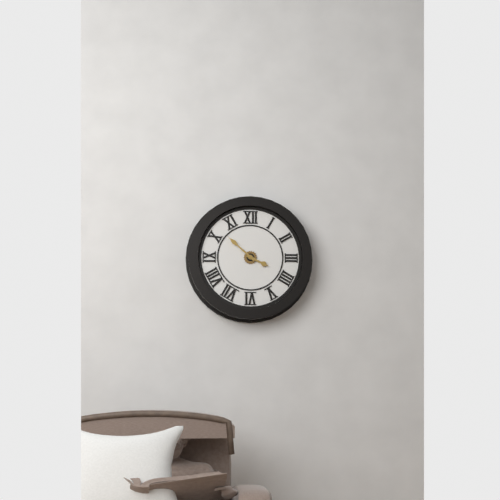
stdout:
h=3 m=52
